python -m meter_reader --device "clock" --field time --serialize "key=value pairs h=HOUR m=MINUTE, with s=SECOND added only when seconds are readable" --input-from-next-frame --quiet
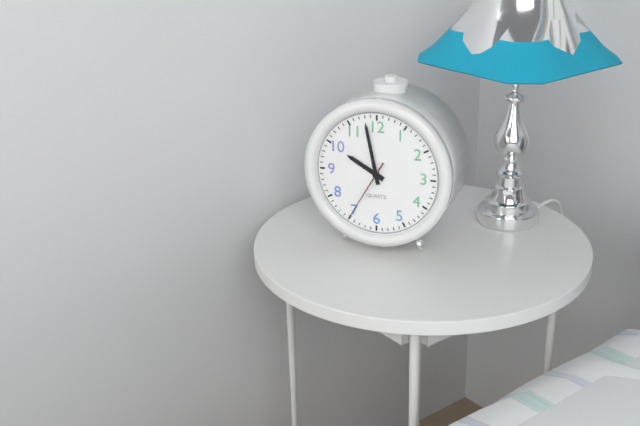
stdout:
h=9 m=58 s=35
